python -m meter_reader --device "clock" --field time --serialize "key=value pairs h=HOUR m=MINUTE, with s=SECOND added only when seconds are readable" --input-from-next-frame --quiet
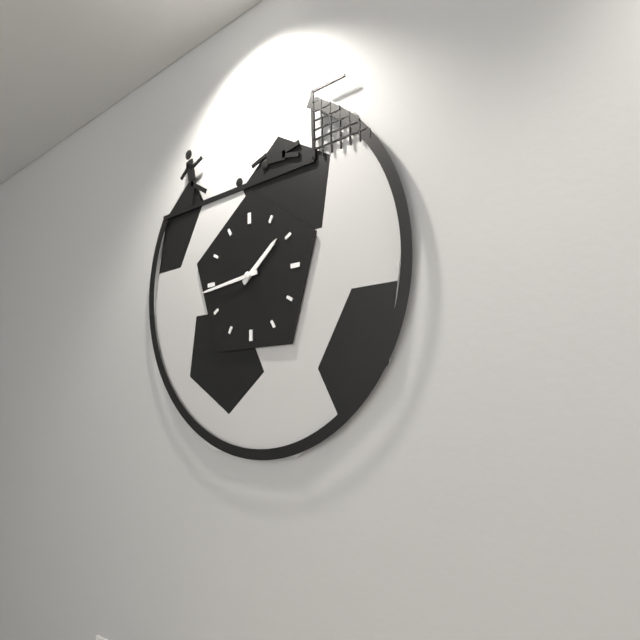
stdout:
h=1 m=44
